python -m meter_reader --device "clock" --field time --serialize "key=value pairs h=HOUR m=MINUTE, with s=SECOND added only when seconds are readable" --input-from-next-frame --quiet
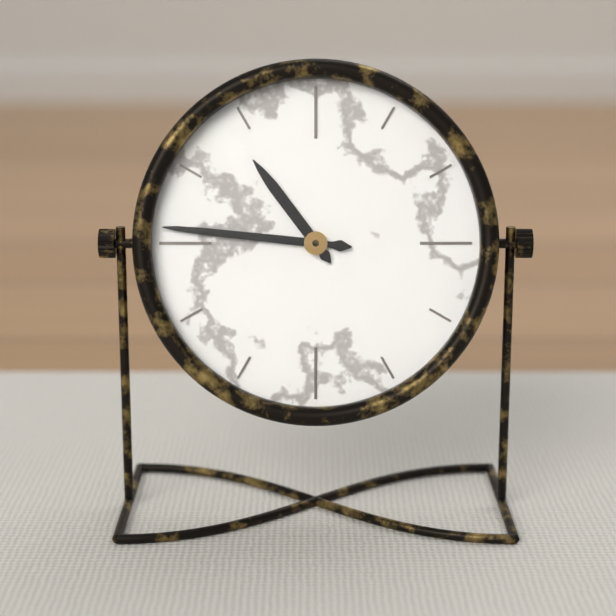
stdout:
h=10 m=46
